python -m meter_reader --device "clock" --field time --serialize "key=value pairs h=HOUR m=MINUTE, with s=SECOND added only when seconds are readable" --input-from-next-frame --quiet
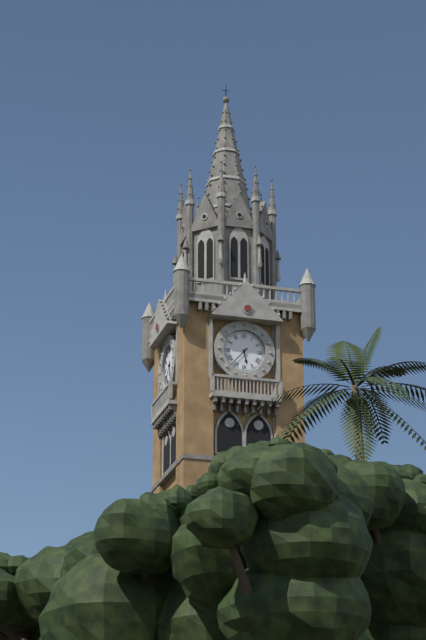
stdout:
h=5 m=37
